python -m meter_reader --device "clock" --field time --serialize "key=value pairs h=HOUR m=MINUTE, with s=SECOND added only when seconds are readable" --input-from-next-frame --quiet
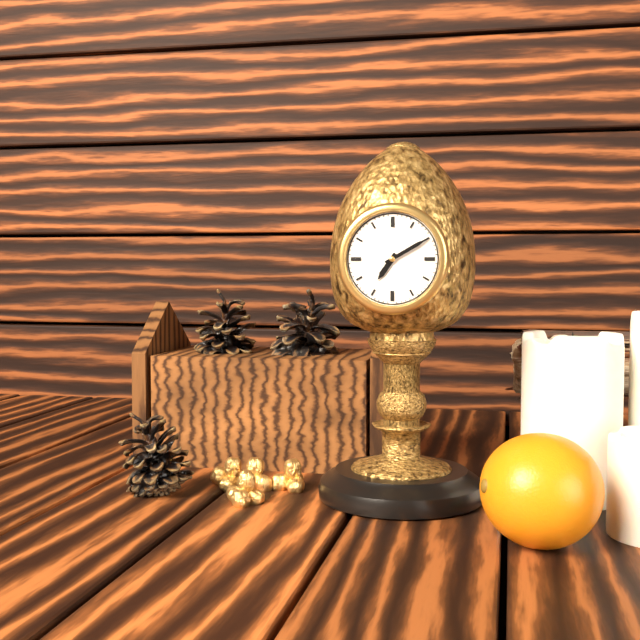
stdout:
h=7 m=10
